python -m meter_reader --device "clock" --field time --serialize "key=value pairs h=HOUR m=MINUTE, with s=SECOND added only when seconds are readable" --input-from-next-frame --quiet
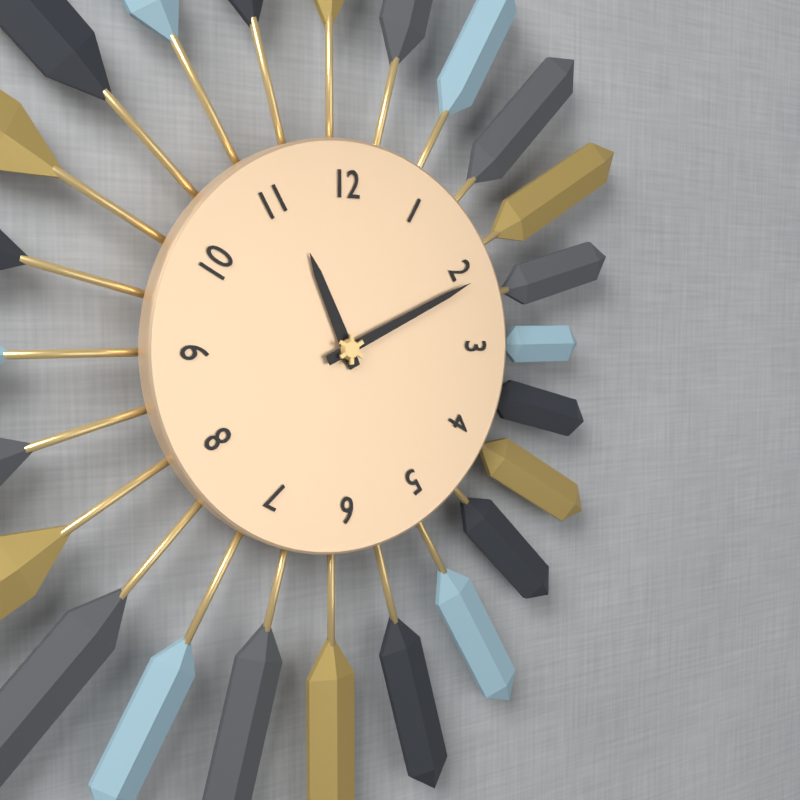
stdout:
h=11 m=11
